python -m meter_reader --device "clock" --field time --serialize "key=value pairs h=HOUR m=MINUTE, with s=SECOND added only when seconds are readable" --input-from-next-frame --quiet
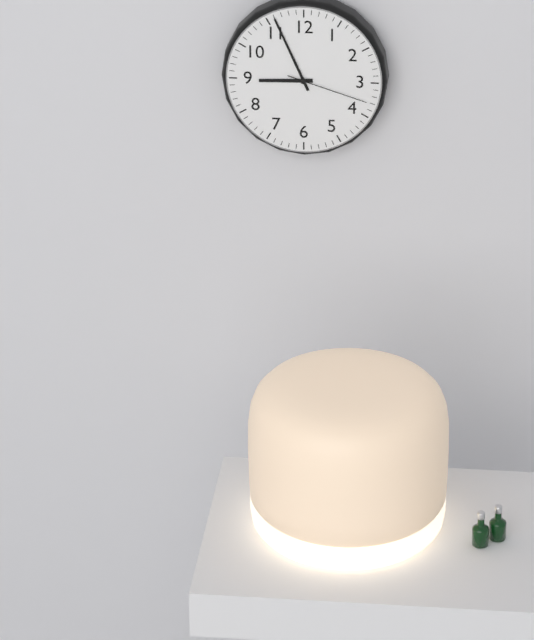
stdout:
h=8 m=56 s=18
